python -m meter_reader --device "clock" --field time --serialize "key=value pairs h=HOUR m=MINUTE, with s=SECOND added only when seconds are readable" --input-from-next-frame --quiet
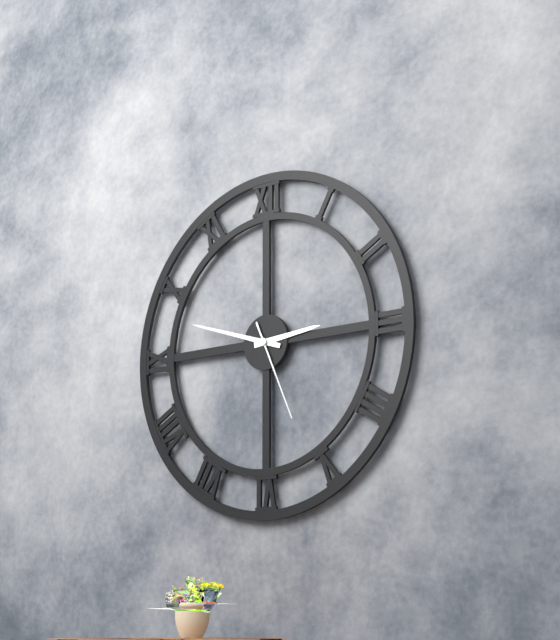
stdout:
h=2 m=48 s=26
